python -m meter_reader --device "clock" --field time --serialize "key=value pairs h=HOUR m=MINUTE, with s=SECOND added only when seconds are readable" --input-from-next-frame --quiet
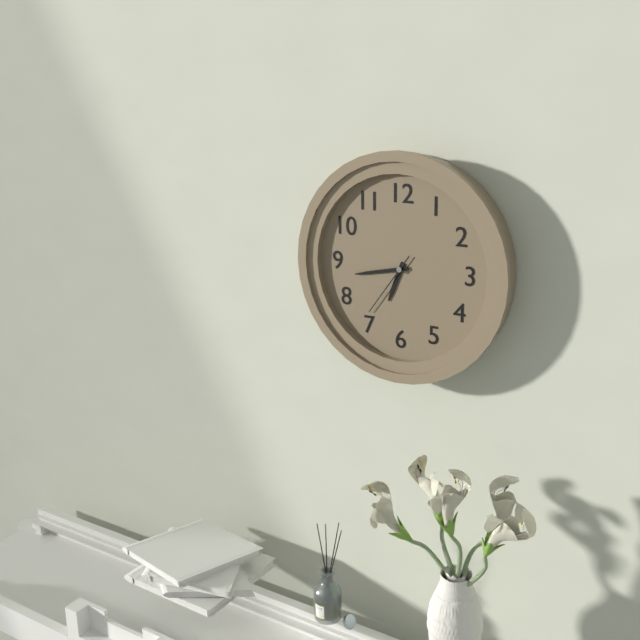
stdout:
h=6 m=43 s=36
